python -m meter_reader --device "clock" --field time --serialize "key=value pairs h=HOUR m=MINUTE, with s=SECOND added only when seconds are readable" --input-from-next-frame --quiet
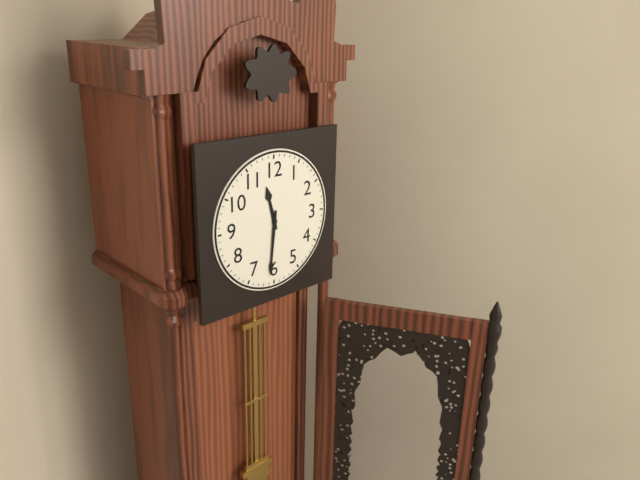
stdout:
h=11 m=31
